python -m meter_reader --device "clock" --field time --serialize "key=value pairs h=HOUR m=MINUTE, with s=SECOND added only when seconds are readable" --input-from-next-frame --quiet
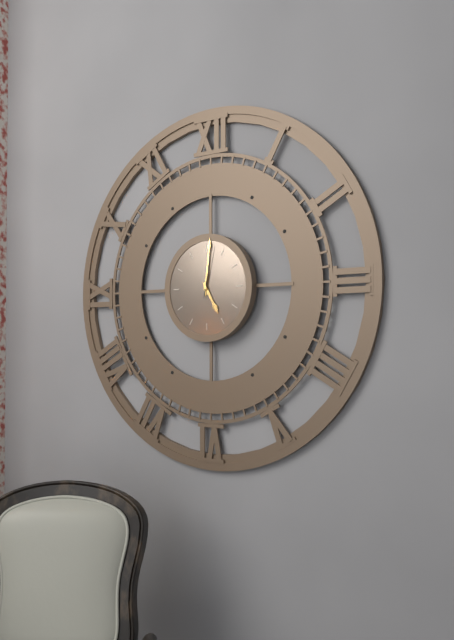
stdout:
h=5 m=1 s=2
